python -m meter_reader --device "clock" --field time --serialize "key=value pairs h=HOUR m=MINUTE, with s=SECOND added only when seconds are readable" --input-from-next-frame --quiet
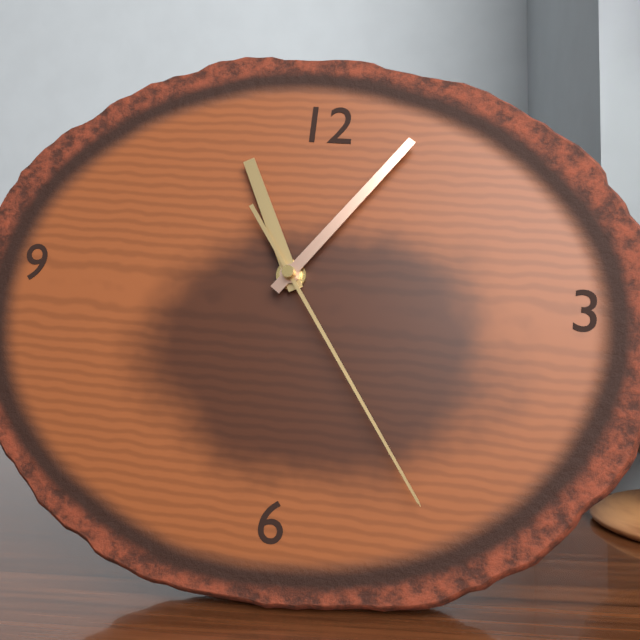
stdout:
h=11 m=6 s=24
